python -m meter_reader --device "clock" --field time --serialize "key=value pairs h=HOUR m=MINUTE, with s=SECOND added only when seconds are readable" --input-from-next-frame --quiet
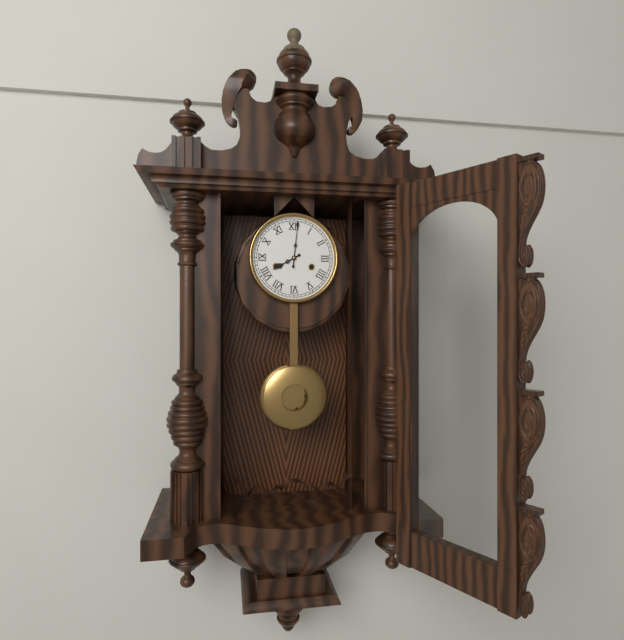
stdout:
h=8 m=1
